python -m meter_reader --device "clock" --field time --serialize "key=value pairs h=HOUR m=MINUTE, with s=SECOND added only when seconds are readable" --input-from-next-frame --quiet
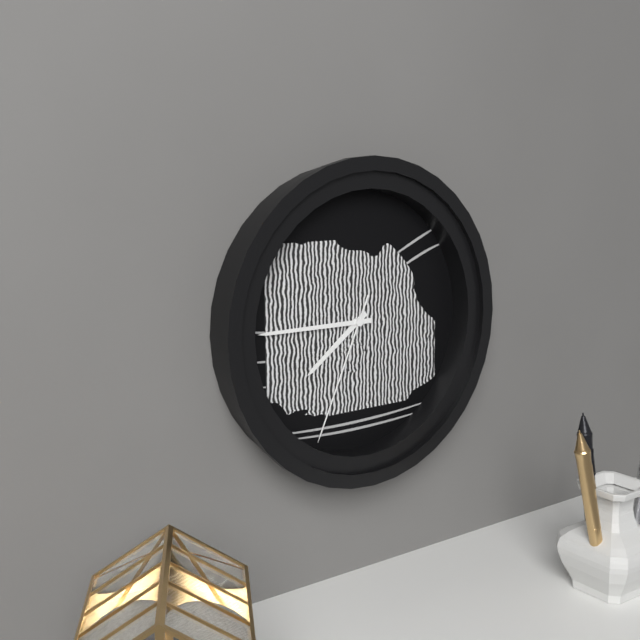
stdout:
h=7 m=45 s=34
